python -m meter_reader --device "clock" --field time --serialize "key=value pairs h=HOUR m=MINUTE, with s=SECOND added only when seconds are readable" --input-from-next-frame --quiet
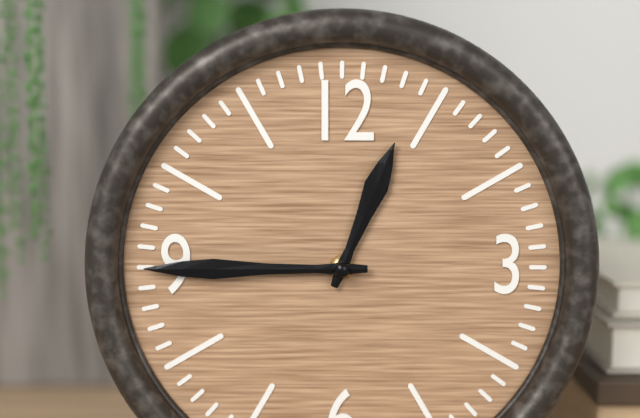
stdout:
h=12 m=45
